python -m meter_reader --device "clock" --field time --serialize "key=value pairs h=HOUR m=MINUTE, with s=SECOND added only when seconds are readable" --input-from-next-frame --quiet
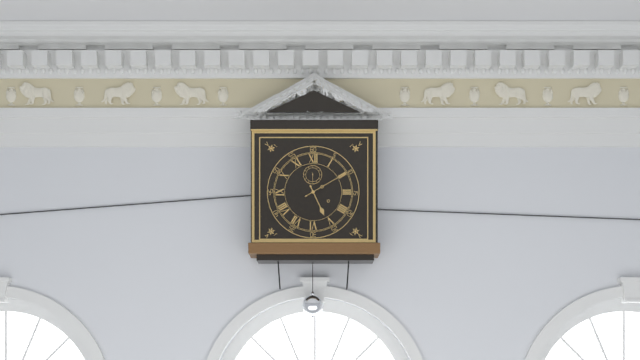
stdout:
h=5 m=10
